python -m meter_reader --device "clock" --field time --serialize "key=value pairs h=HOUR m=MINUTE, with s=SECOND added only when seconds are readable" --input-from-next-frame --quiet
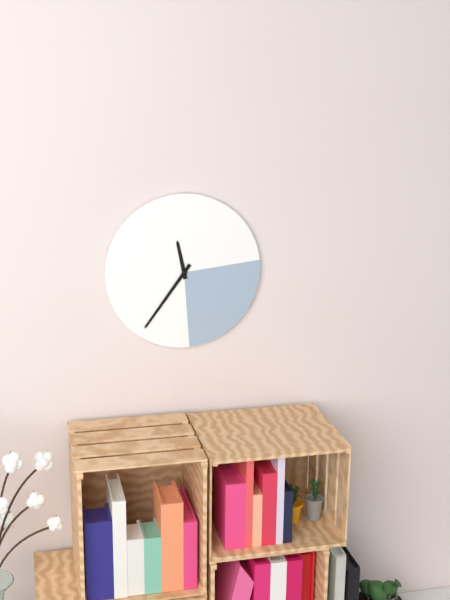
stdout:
h=11 m=36
